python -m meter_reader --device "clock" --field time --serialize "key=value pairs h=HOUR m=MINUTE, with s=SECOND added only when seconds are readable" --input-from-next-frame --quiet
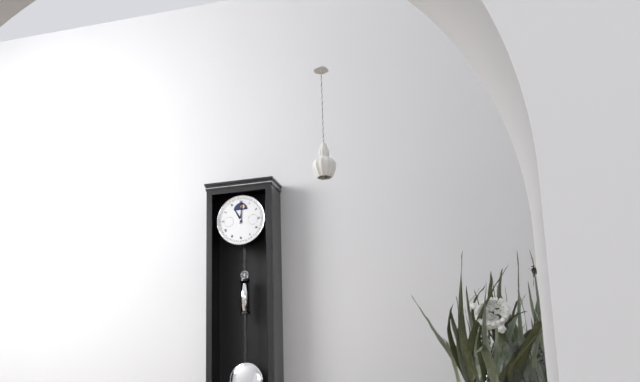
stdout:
h=11 m=1
